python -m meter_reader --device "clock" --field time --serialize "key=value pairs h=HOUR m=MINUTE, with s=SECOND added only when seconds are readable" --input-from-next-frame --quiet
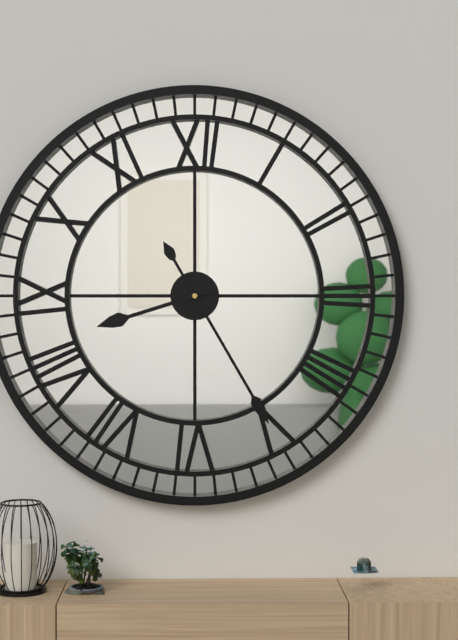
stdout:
h=8 m=25
